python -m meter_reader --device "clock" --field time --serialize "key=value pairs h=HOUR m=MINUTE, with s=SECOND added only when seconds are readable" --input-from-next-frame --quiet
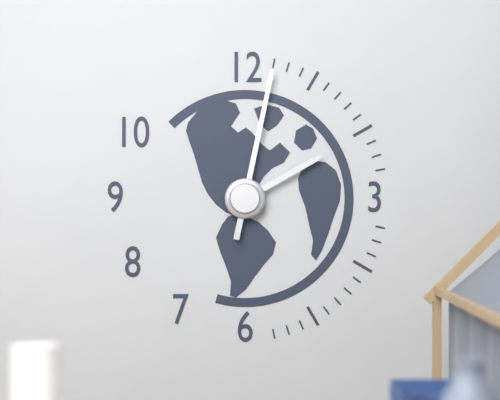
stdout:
h=2 m=2
